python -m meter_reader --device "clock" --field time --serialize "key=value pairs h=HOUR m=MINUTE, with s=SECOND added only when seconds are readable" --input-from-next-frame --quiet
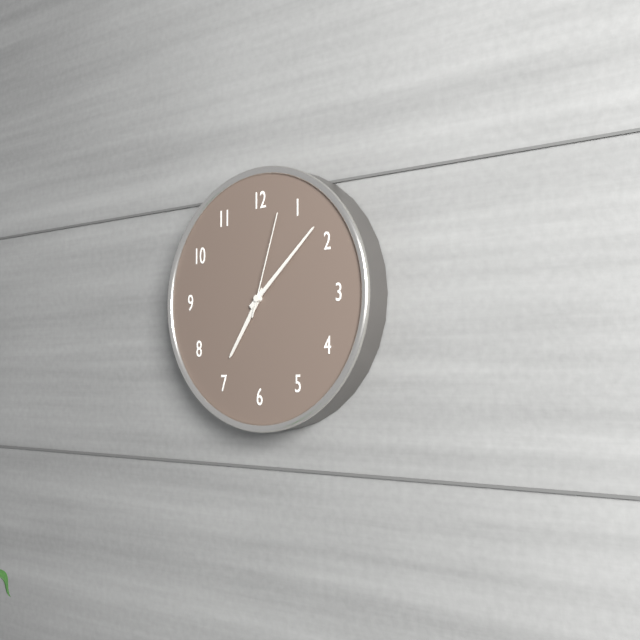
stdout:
h=7 m=8 s=3
